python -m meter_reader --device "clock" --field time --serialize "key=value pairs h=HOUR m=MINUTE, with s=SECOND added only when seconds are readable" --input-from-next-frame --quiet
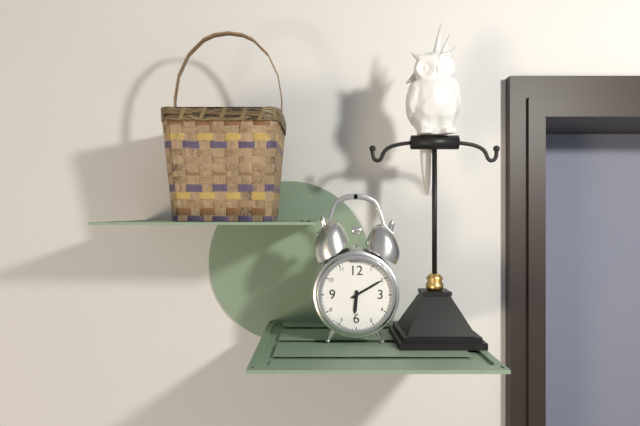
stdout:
h=6 m=10
